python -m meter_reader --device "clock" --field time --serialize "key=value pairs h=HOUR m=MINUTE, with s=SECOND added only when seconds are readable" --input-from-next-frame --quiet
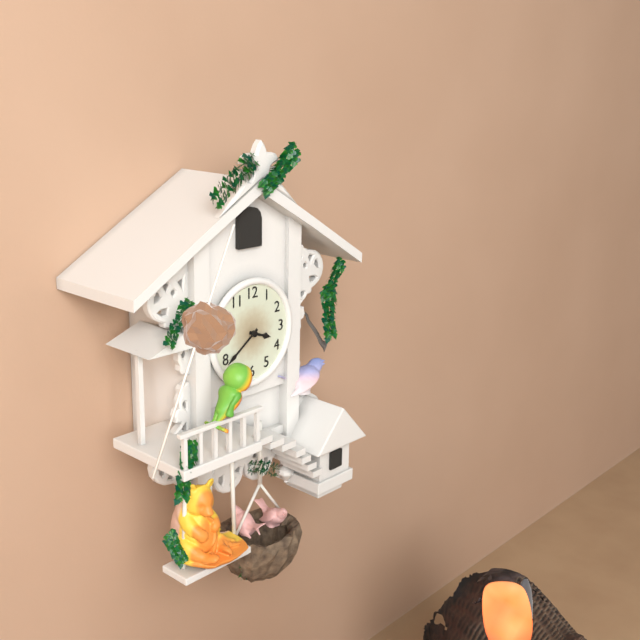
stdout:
h=3 m=39
